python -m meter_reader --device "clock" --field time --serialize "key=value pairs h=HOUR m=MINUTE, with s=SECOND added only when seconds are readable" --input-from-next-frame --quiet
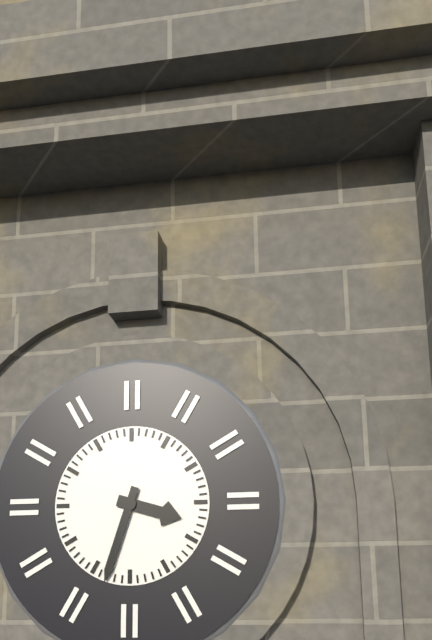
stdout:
h=3 m=33
